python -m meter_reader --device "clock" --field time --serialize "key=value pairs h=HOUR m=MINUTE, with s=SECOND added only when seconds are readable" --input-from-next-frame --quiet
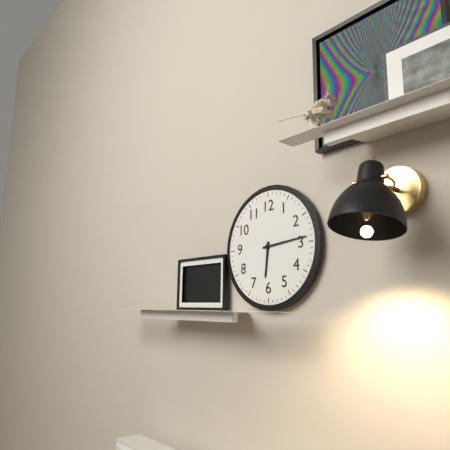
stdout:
h=6 m=14
